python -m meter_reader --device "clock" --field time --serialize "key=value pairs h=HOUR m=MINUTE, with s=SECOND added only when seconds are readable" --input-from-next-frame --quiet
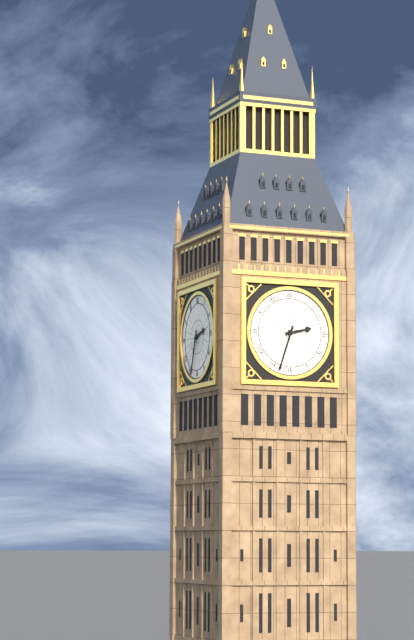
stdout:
h=2 m=33
